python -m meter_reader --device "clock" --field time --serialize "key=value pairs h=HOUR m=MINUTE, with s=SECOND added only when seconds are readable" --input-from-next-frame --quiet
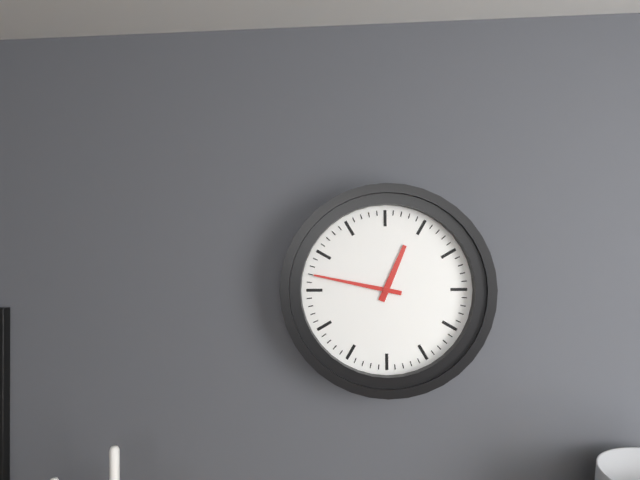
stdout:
h=12 m=47
